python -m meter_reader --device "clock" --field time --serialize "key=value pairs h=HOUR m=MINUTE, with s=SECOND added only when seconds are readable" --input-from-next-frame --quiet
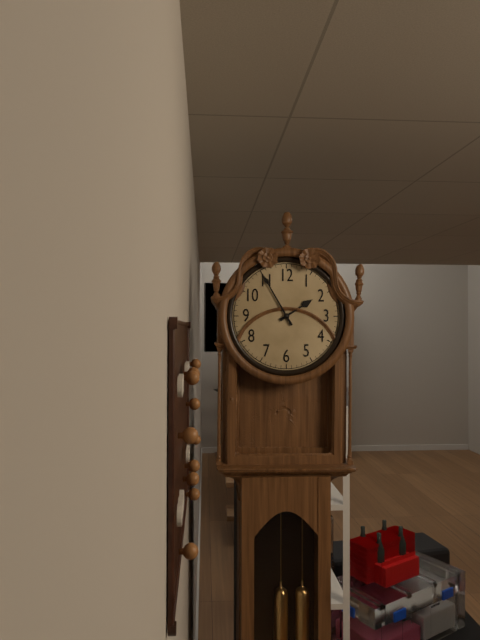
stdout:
h=1 m=55
